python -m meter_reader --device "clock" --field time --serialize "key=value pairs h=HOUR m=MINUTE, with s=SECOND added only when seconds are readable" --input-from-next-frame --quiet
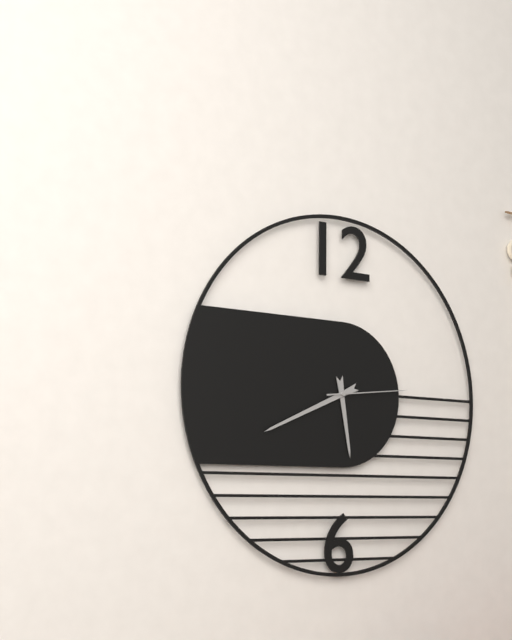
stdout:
h=5 m=41 s=14
